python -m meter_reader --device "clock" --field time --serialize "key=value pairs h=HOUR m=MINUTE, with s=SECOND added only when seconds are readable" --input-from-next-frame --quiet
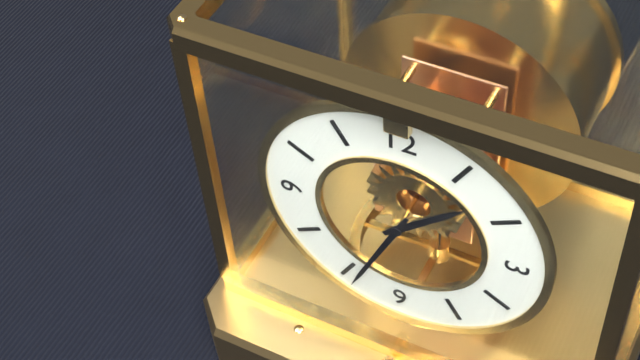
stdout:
h=1 m=34
